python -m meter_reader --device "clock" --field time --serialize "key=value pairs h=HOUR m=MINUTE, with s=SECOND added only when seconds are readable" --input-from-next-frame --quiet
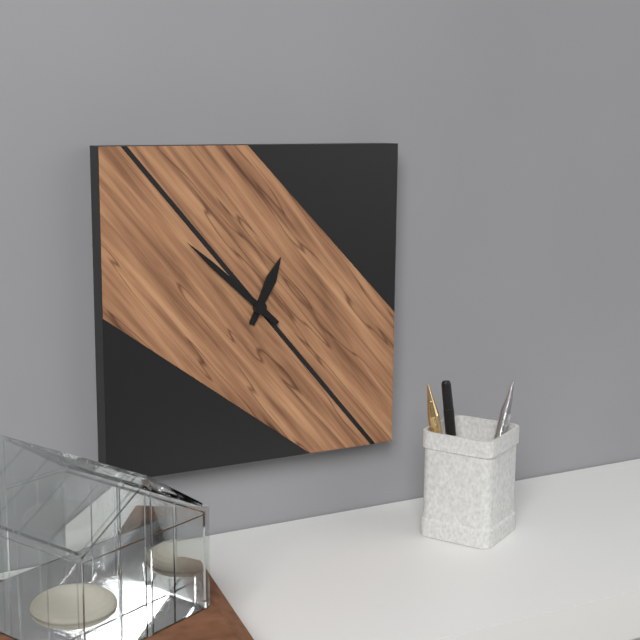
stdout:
h=12 m=52
